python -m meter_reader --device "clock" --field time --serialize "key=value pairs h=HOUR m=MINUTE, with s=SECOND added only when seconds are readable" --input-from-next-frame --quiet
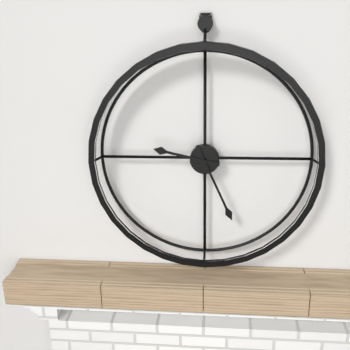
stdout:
h=9 m=26
